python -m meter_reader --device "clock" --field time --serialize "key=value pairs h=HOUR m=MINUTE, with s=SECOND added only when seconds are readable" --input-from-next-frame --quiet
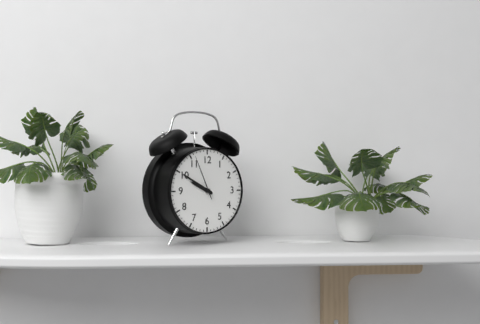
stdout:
h=9 m=50
